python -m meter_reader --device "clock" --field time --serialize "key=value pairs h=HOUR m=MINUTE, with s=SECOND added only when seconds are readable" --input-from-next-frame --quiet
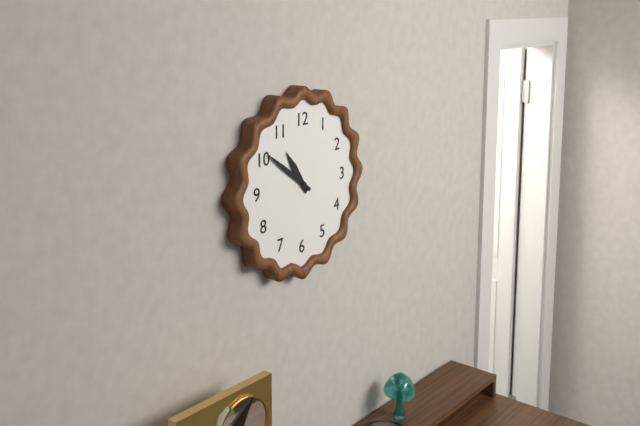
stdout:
h=10 m=51
